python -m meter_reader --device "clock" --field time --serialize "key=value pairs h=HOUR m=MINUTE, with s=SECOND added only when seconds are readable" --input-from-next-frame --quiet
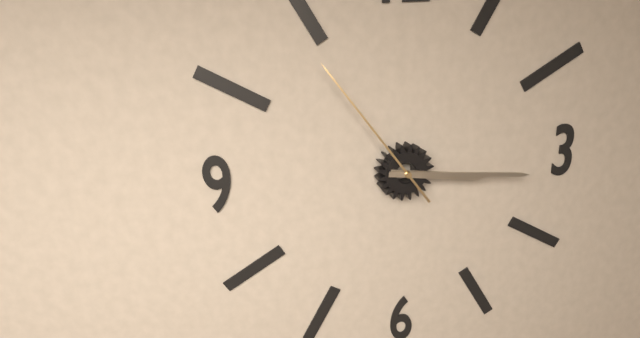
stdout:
h=3 m=16 s=54
